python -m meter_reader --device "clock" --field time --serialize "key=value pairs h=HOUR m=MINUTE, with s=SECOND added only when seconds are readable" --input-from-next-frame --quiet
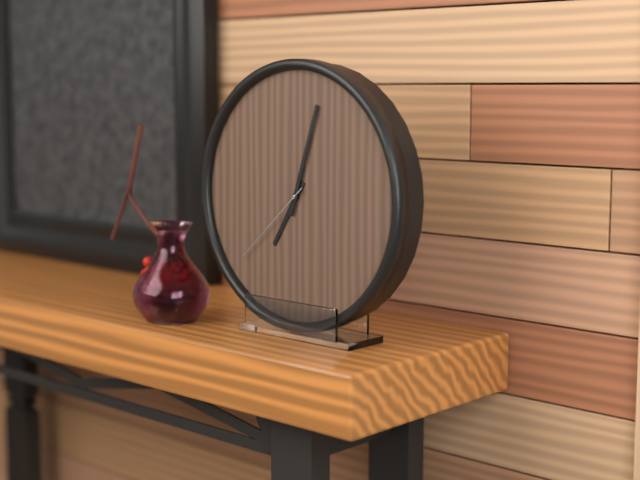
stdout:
h=7 m=3 s=38
